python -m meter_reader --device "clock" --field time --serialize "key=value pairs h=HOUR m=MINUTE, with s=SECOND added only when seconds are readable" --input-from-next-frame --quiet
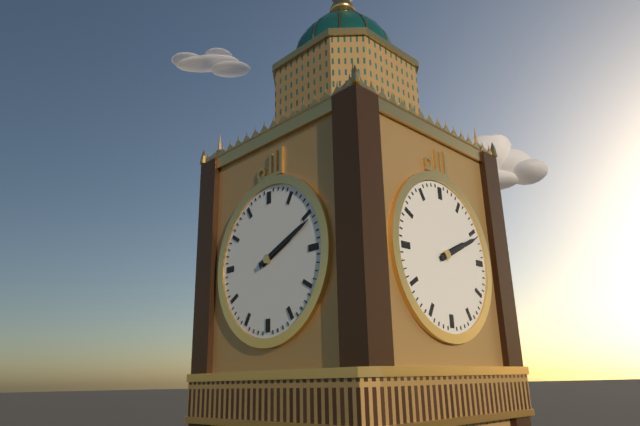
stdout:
h=2 m=11
